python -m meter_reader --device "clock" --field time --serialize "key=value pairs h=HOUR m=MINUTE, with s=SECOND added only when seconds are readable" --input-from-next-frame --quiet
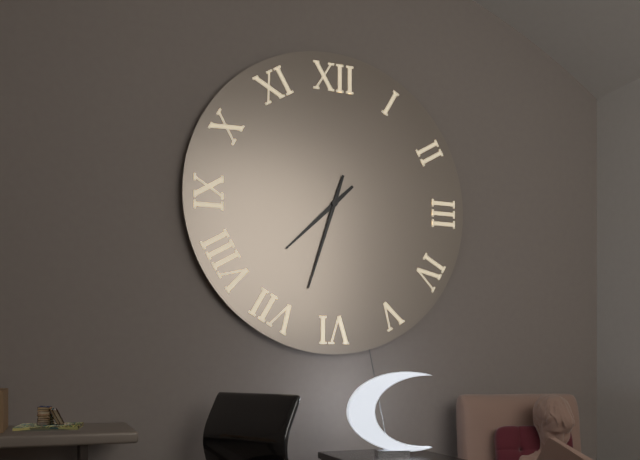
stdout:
h=7 m=33
